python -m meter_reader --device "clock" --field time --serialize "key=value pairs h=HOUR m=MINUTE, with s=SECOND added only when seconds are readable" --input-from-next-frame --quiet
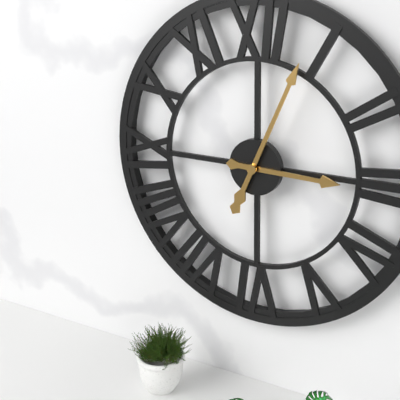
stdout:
h=3 m=4
